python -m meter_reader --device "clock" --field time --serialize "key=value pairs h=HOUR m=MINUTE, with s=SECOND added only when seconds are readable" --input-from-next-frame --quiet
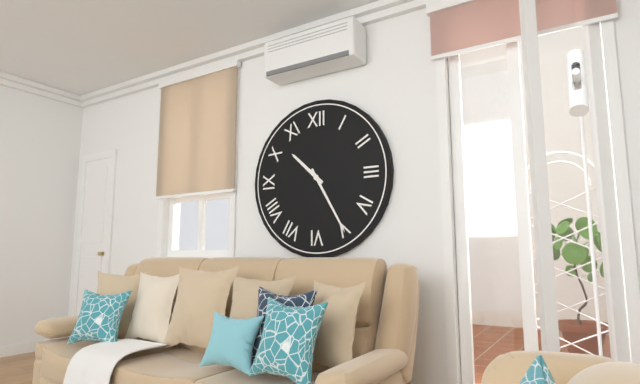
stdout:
h=10 m=25
